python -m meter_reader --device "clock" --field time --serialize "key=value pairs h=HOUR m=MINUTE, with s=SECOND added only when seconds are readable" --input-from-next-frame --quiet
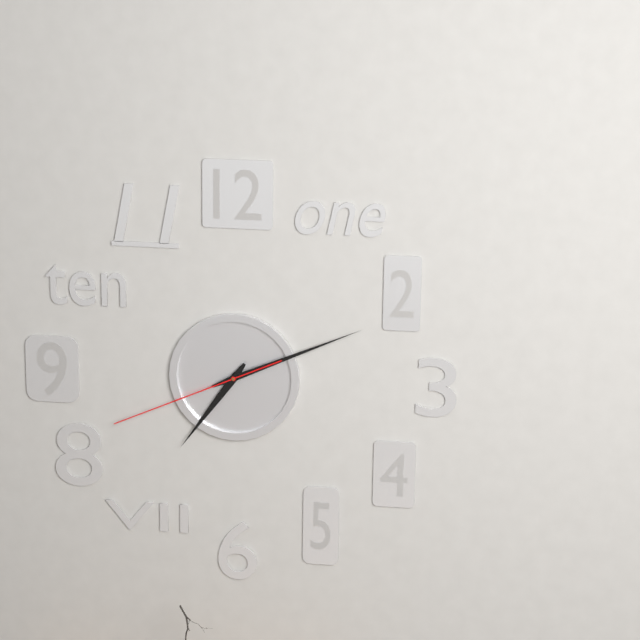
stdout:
h=7 m=11 s=41
